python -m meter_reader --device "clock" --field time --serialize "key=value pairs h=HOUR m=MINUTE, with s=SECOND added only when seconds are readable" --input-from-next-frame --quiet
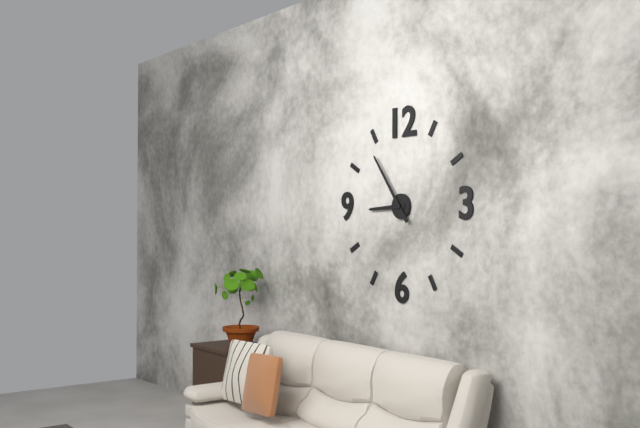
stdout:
h=8 m=54
